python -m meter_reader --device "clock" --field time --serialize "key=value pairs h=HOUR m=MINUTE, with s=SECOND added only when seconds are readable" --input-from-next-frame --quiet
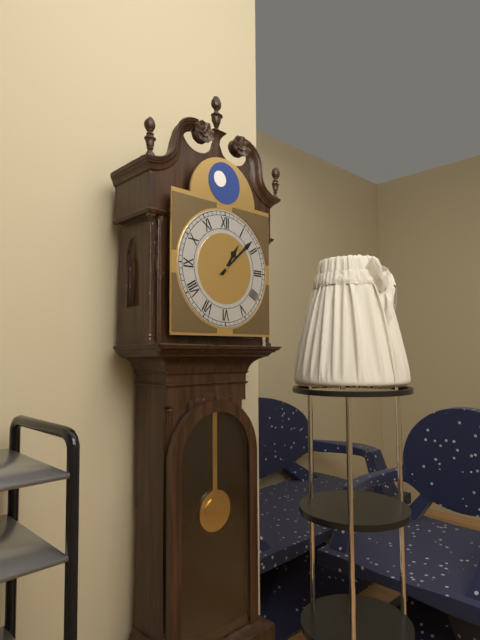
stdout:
h=1 m=8
